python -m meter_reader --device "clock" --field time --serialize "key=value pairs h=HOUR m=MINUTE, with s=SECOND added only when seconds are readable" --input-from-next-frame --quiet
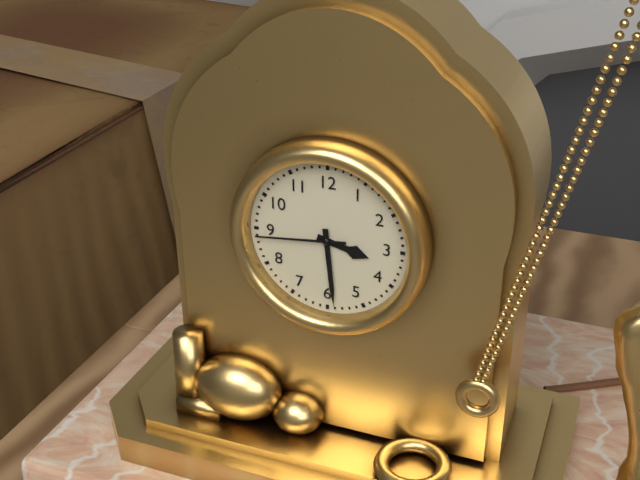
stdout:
h=3 m=29 s=44
